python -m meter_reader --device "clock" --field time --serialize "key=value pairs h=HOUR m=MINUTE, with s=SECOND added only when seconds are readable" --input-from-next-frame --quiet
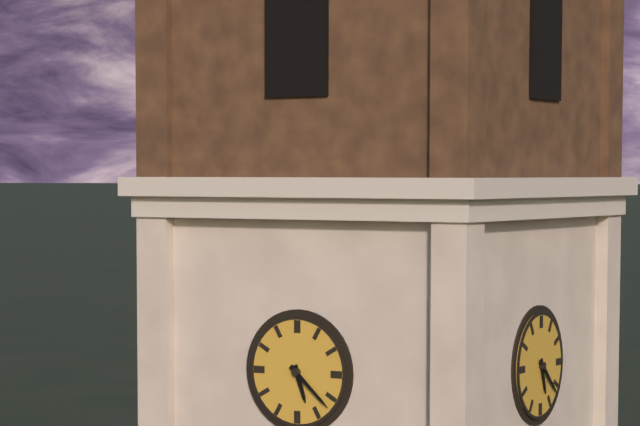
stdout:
h=5 m=22
